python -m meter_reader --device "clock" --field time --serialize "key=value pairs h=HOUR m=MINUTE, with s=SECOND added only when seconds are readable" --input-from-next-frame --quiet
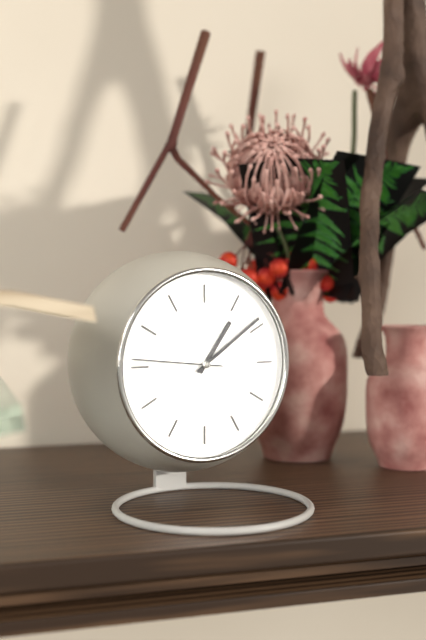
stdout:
h=1 m=9 s=46
